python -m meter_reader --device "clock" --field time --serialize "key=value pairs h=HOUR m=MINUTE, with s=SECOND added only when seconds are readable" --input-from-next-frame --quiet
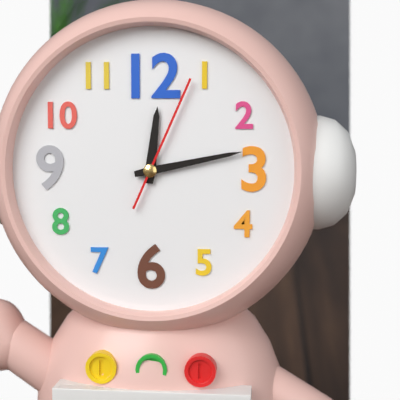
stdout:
h=12 m=13 s=4
